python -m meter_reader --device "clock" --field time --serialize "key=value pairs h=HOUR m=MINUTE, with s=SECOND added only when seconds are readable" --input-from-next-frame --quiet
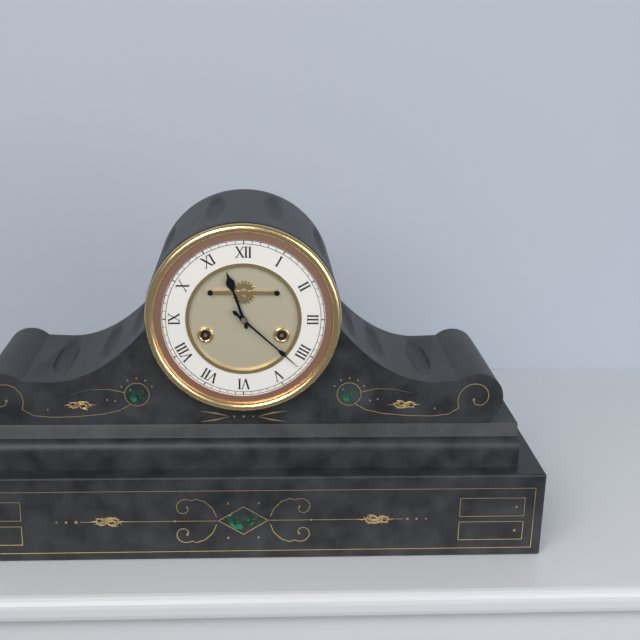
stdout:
h=11 m=22
